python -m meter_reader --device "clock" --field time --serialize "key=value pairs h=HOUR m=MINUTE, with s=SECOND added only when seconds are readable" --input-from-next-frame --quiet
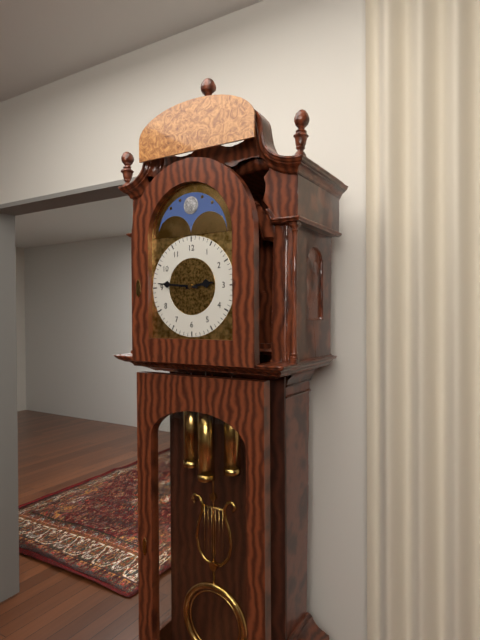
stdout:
h=2 m=46
